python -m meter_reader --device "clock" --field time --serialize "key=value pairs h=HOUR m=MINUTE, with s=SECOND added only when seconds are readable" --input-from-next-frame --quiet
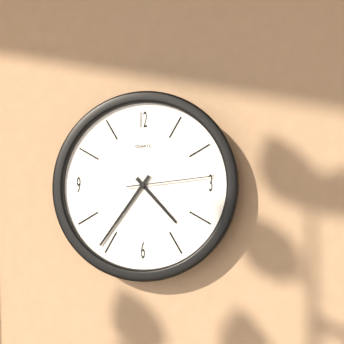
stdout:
h=4 m=36 s=14
